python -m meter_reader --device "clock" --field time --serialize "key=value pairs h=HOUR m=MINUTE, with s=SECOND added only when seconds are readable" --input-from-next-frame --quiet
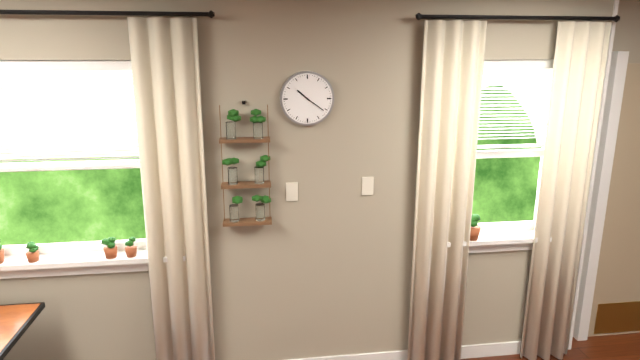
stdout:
h=10 m=21
